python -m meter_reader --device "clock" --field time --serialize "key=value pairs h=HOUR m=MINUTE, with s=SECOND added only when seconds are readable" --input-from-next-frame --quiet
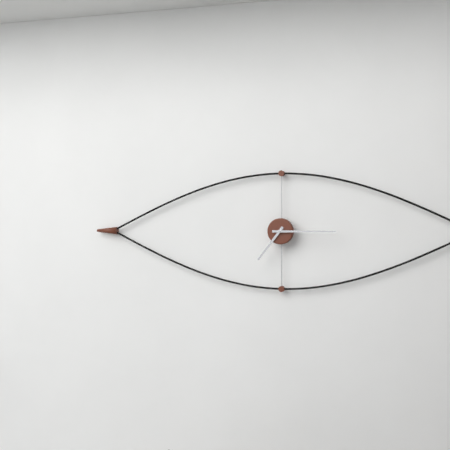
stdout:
h=7 m=15
